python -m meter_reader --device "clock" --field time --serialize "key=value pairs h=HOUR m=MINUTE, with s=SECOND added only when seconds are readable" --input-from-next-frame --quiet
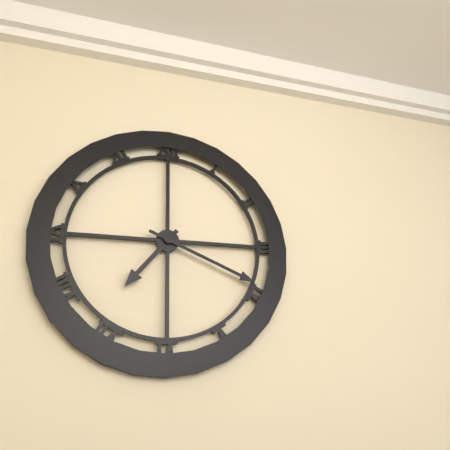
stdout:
h=7 m=19
